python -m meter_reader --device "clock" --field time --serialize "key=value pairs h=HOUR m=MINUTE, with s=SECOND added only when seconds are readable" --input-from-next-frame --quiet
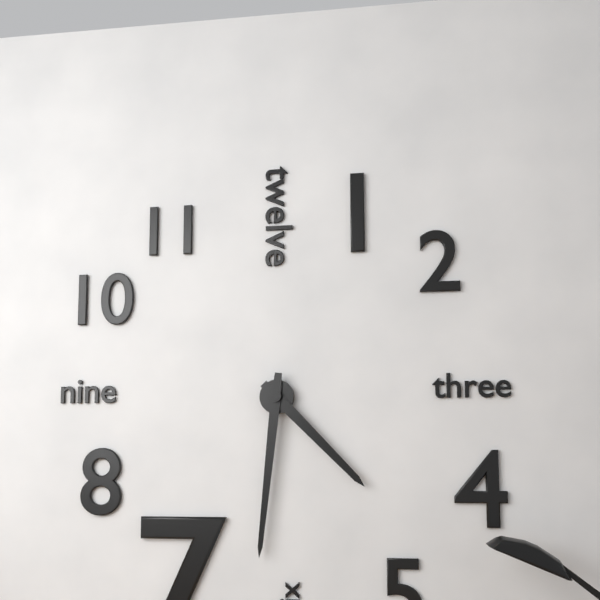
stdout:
h=4 m=31
